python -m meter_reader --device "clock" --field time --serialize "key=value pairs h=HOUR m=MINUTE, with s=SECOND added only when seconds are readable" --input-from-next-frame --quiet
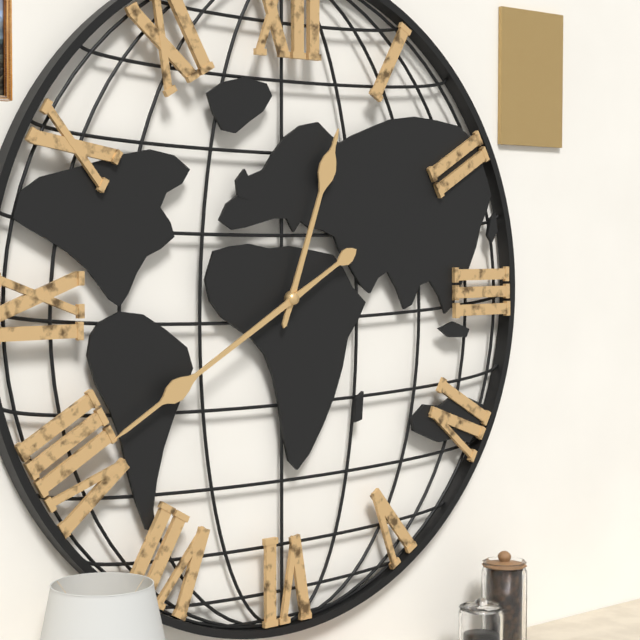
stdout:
h=12 m=40
